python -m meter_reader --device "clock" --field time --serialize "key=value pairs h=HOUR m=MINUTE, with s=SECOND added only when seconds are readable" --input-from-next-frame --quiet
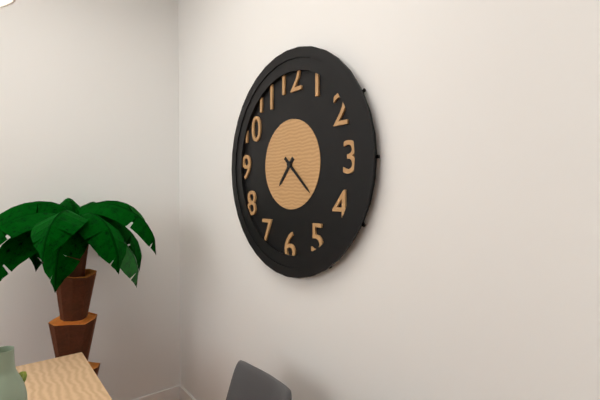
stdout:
h=7 m=22
